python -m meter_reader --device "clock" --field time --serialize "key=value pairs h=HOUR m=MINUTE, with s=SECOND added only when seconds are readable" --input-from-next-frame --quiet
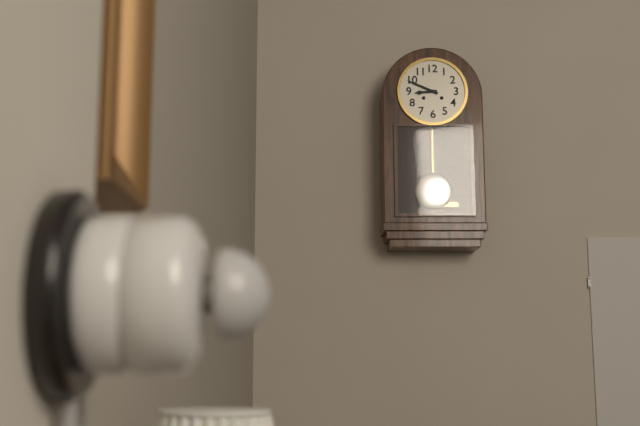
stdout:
h=8 m=49
